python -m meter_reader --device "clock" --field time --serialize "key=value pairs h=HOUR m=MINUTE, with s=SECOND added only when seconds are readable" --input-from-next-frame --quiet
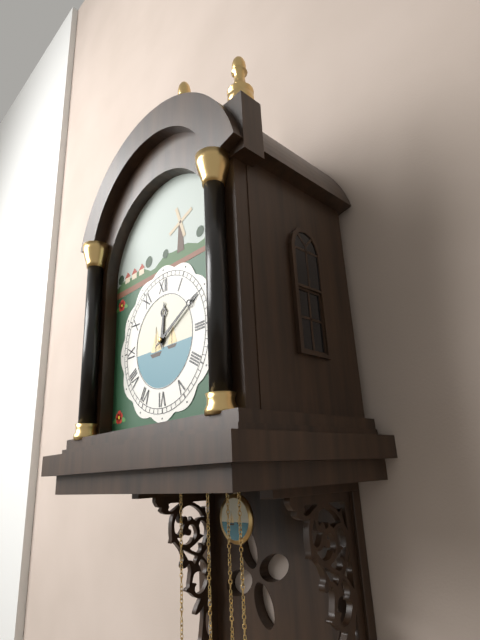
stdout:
h=12 m=10
